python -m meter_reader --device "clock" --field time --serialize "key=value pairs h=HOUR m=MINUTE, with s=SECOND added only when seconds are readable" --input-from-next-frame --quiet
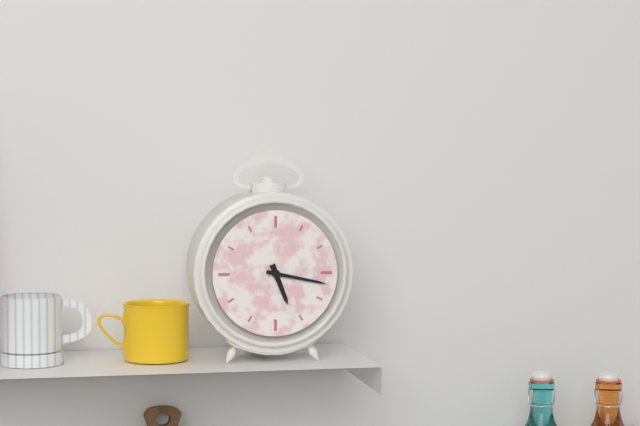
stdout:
h=5 m=17
